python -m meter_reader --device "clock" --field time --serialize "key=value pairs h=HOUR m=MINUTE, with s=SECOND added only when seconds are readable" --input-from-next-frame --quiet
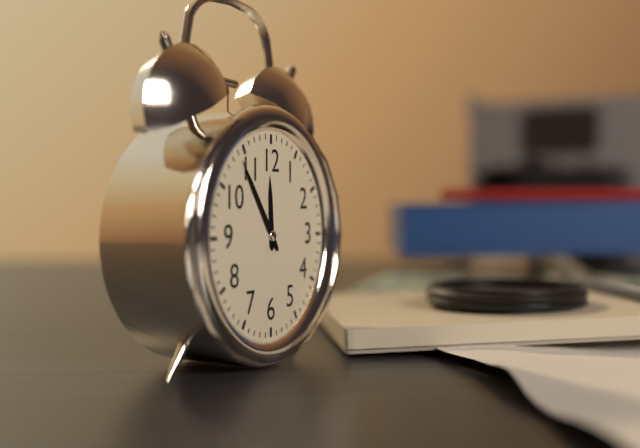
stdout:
h=11 m=54
